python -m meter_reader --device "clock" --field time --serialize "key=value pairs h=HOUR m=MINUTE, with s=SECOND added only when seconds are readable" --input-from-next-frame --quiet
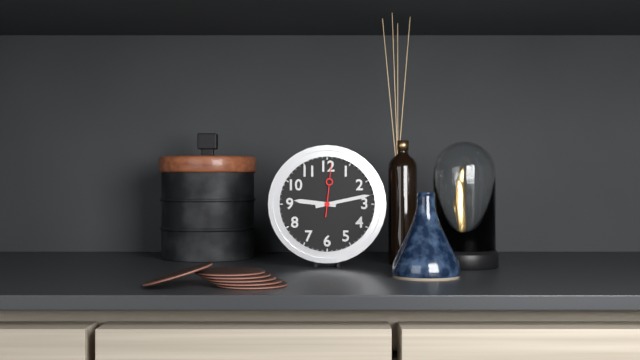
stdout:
h=9 m=13 s=1
